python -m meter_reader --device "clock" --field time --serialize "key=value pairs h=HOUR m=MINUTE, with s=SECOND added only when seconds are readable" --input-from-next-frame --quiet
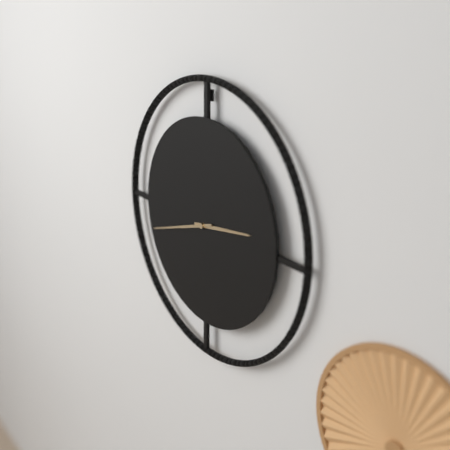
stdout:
h=2 m=42
